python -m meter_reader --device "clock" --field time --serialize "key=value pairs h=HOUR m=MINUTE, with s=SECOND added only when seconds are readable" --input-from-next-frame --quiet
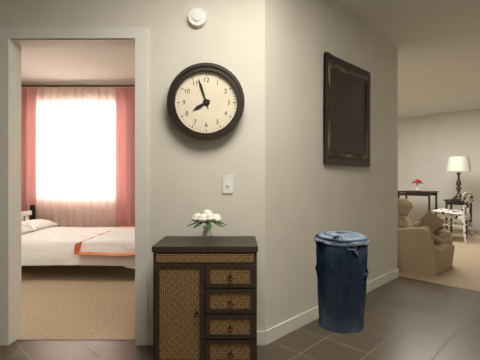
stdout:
h=7 m=57
